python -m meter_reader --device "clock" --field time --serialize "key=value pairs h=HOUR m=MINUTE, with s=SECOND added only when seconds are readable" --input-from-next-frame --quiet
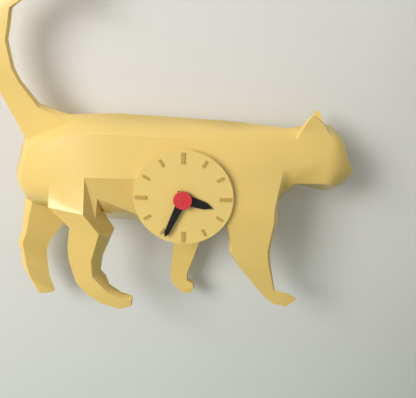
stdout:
h=3 m=34
